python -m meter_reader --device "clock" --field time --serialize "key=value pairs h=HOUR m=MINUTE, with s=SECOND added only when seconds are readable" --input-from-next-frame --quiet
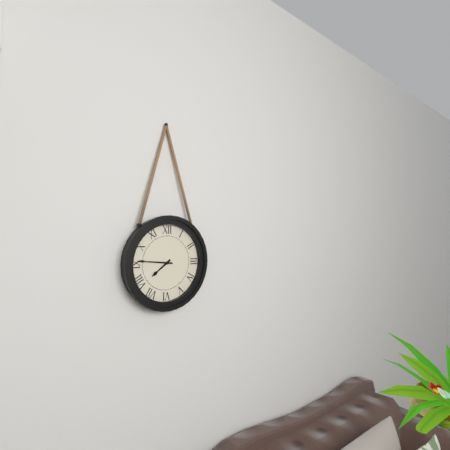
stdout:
h=7 m=46
